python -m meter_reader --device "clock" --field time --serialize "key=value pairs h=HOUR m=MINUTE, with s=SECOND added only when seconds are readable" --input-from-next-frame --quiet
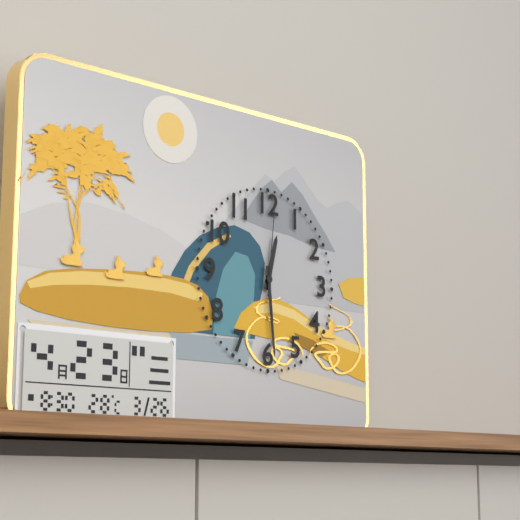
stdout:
h=12 m=29 s=1
